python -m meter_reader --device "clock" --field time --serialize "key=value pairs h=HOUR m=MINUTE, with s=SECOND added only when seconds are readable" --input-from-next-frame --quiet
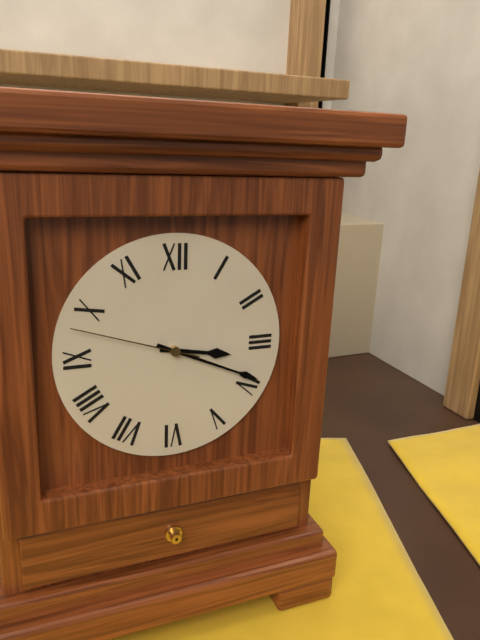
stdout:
h=3 m=19 s=48
